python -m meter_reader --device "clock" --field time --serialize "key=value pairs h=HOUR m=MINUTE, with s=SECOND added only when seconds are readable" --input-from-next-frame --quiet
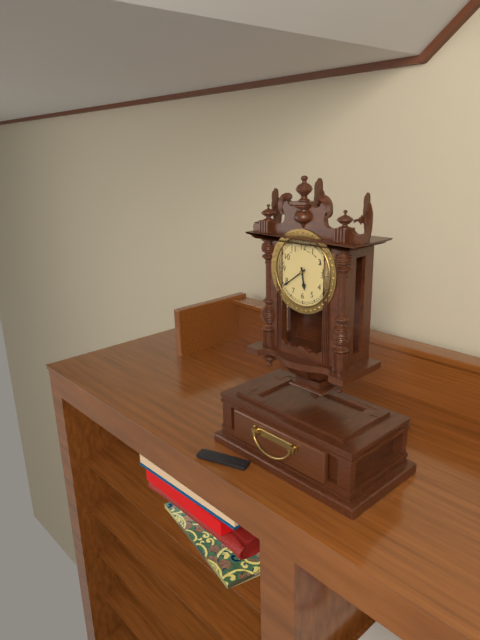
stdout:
h=5 m=39
